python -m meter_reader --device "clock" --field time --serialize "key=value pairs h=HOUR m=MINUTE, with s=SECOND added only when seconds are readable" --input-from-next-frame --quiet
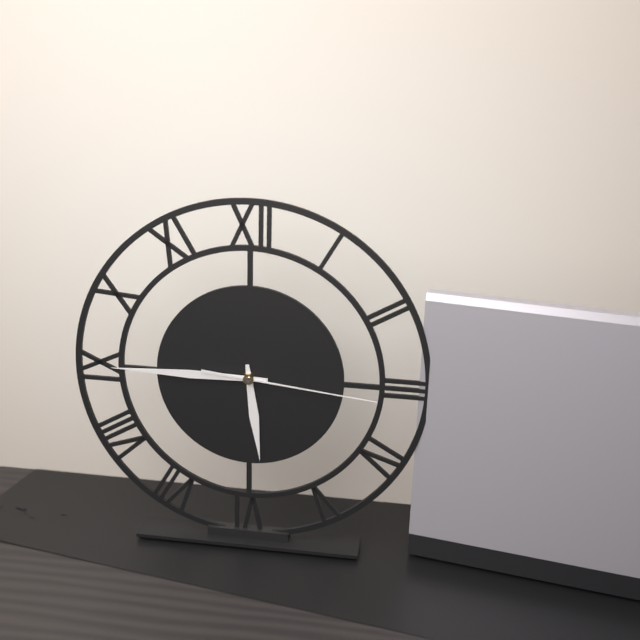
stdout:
h=5 m=45 s=16
